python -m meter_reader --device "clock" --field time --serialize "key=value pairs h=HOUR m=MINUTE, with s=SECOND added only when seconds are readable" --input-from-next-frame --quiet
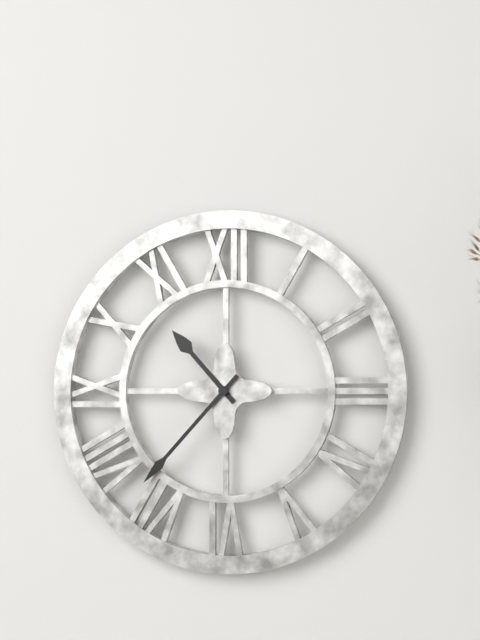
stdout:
h=10 m=37
